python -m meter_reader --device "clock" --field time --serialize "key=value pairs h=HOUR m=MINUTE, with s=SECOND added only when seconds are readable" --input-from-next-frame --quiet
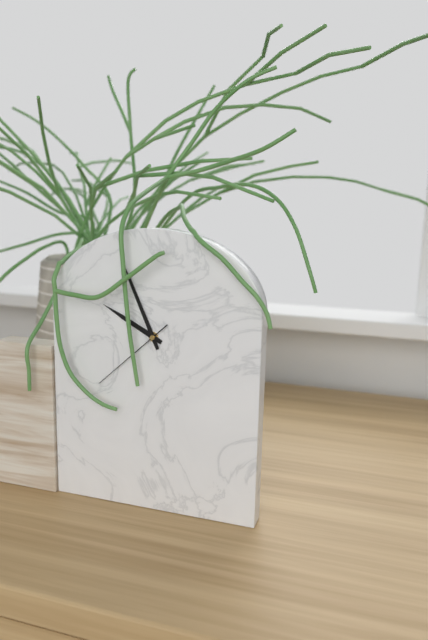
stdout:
h=9 m=56 s=38
